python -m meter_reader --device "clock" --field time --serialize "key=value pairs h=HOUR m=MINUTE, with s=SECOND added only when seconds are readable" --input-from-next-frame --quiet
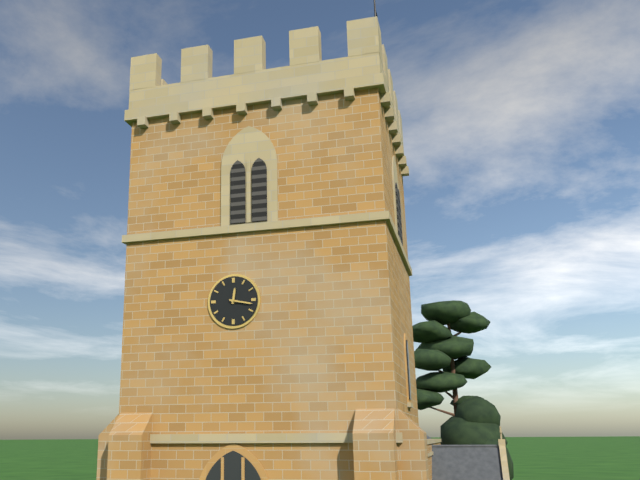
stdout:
h=12 m=17
